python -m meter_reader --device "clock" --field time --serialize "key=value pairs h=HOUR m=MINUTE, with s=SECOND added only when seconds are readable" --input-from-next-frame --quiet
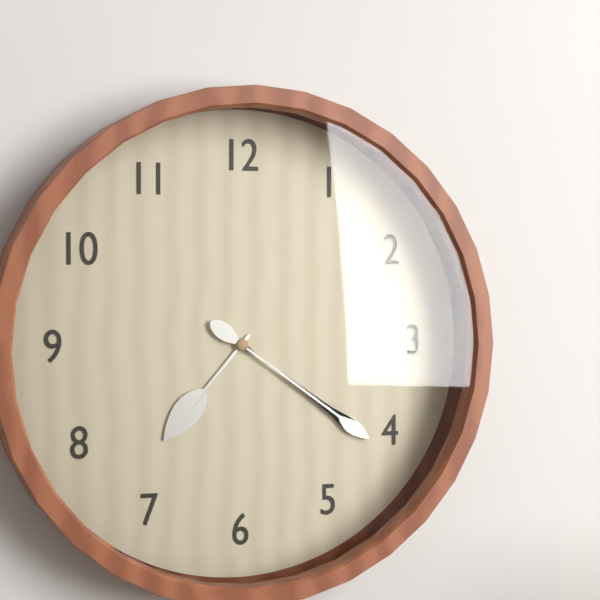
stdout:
h=7 m=21
